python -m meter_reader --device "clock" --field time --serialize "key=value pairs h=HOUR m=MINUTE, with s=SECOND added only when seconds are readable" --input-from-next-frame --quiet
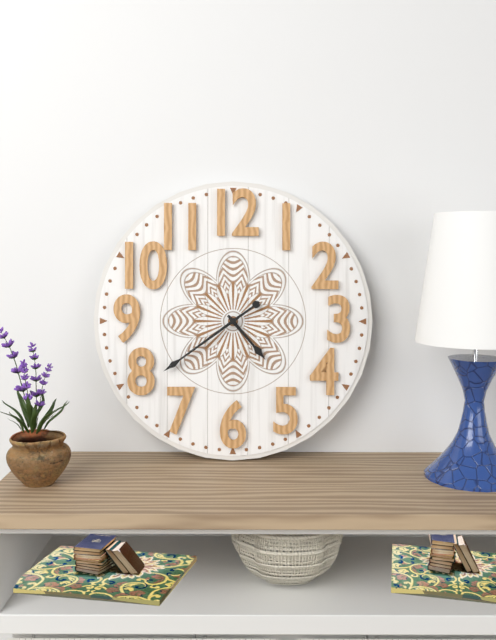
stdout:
h=4 m=39
